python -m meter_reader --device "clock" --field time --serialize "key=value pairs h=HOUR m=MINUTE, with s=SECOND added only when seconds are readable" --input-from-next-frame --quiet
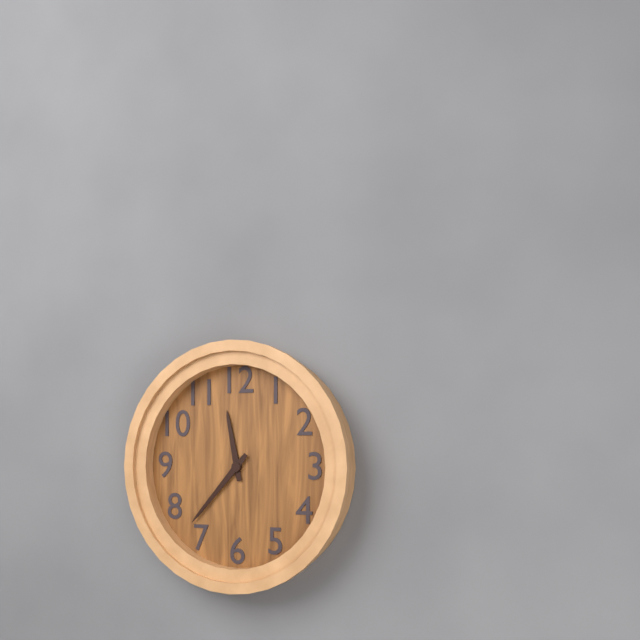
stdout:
h=11 m=37
